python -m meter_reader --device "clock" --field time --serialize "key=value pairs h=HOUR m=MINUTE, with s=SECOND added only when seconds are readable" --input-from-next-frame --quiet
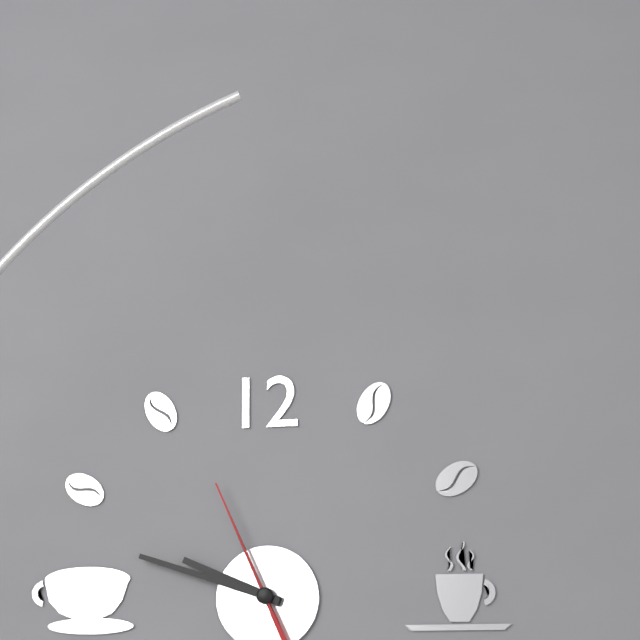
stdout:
h=9 m=48 s=56
